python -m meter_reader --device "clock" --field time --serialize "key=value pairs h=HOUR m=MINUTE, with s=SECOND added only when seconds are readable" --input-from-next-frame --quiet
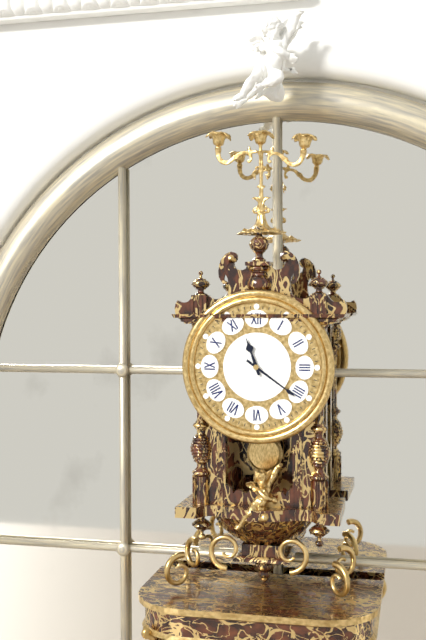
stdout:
h=11 m=21
